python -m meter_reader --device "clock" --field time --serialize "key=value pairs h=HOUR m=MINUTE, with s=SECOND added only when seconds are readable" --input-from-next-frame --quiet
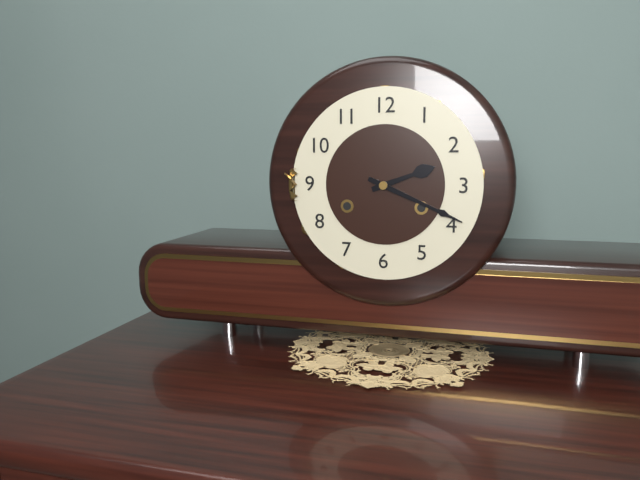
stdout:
h=2 m=19
